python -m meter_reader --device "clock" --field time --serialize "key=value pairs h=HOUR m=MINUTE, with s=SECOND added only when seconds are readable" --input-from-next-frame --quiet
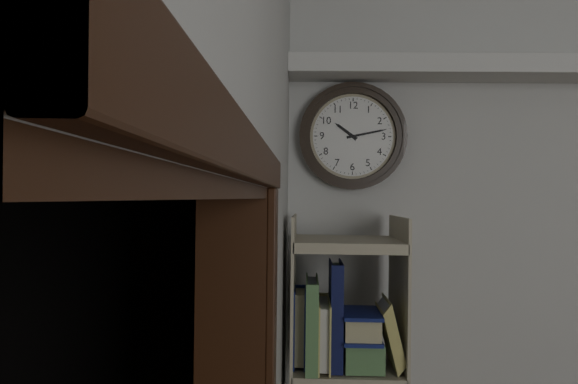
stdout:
h=10 m=13
